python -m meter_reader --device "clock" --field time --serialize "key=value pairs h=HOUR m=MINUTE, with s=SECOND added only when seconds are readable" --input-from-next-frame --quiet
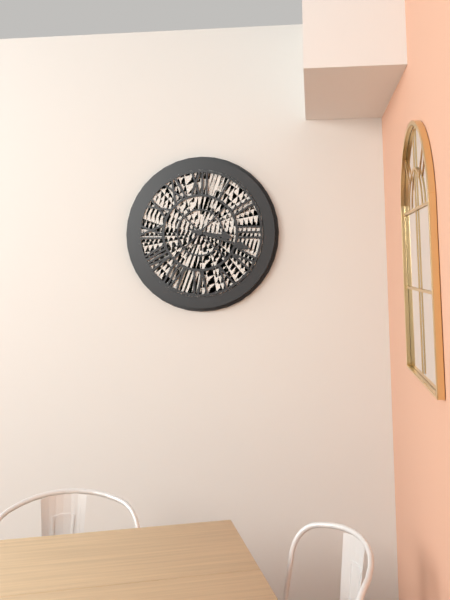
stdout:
h=3 m=18
